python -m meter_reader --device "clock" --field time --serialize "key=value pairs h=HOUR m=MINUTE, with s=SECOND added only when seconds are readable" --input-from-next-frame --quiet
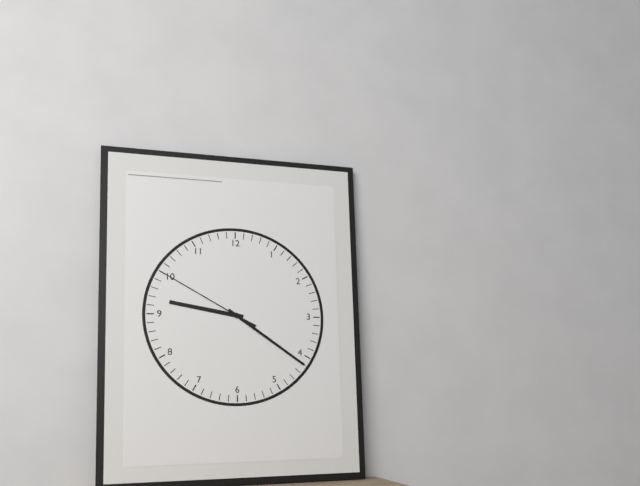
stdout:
h=9 m=21 s=50
